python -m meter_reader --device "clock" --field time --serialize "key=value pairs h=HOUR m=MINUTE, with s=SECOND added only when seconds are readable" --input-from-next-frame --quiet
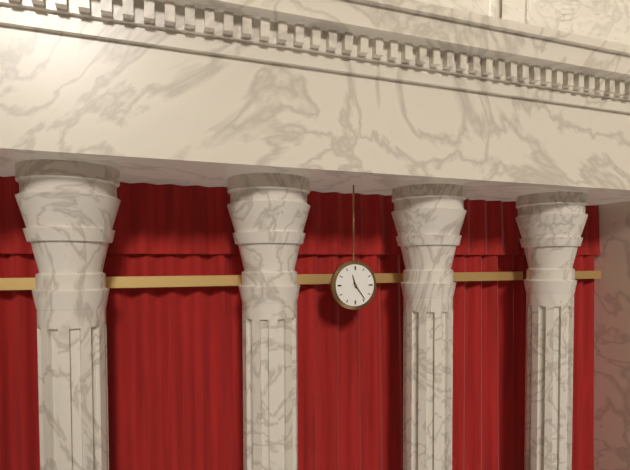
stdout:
h=11 m=24
